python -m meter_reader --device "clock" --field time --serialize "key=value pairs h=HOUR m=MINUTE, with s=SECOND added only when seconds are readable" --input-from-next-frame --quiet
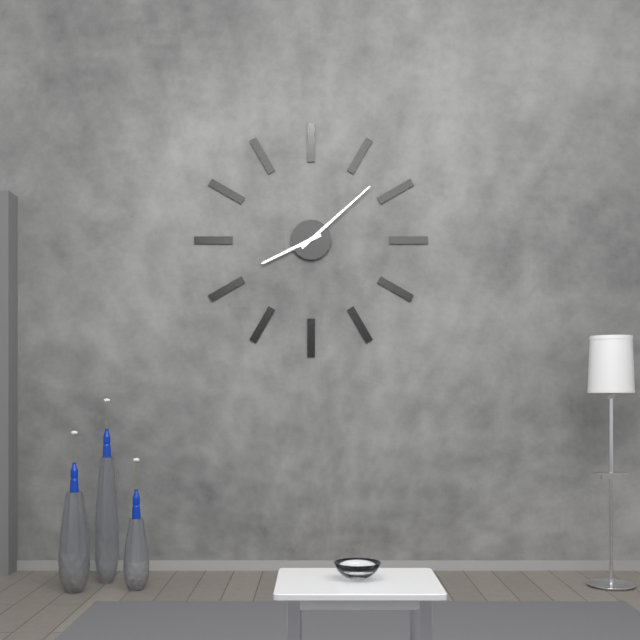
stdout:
h=8 m=8
